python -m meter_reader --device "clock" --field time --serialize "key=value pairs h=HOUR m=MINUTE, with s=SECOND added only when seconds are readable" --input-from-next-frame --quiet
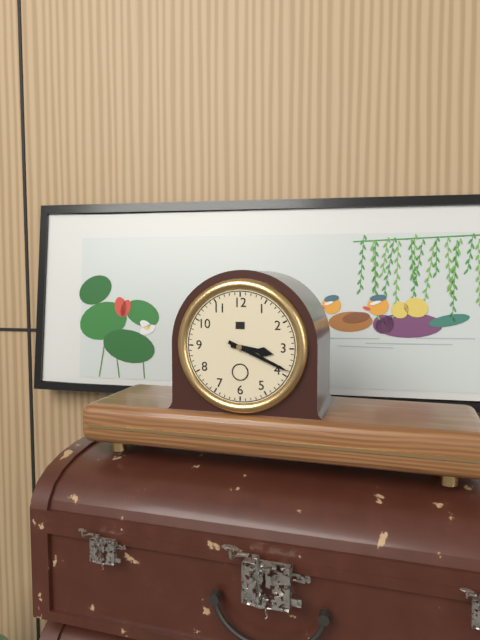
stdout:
h=3 m=19
